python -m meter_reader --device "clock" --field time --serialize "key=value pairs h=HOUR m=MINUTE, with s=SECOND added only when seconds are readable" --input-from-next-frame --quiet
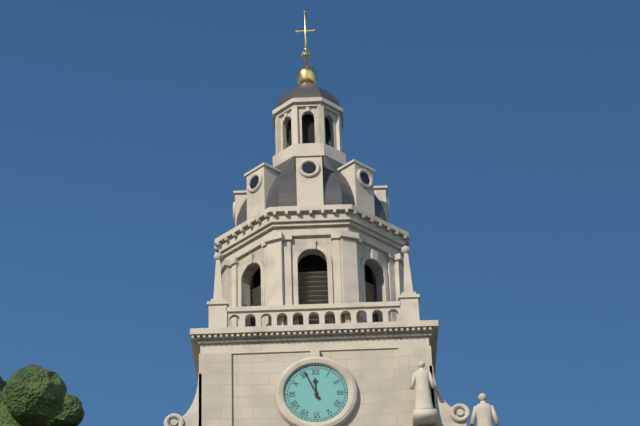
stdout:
h=11 m=56
